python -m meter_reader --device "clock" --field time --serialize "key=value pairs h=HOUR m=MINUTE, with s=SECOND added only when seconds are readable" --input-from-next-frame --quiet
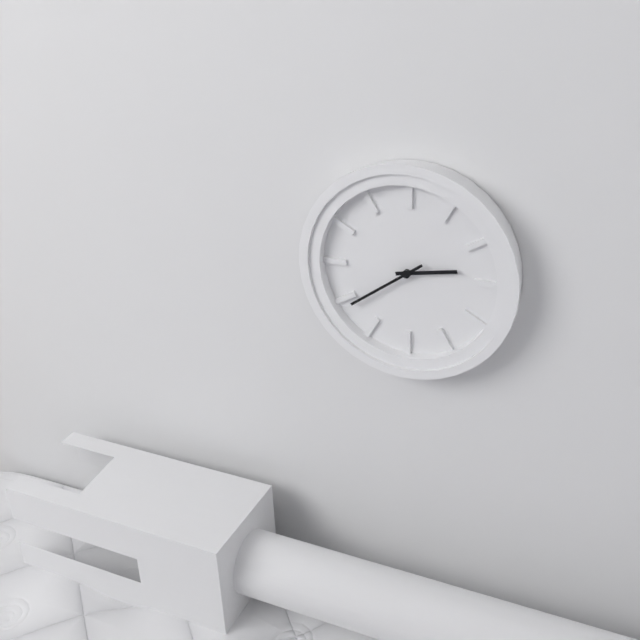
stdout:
h=2 m=39
